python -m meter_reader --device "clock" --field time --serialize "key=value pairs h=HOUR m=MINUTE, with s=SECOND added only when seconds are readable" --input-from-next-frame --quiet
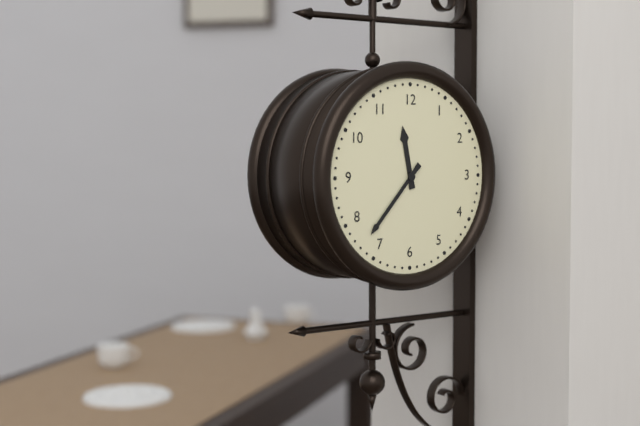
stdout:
h=11 m=37
